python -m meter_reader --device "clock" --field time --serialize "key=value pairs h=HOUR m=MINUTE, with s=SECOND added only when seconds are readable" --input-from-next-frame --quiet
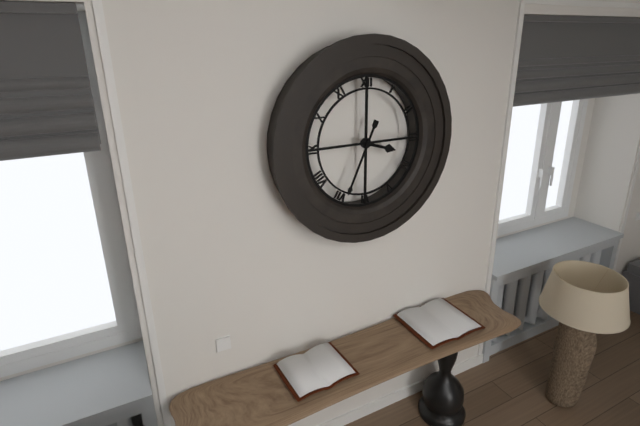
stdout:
h=3 m=34
